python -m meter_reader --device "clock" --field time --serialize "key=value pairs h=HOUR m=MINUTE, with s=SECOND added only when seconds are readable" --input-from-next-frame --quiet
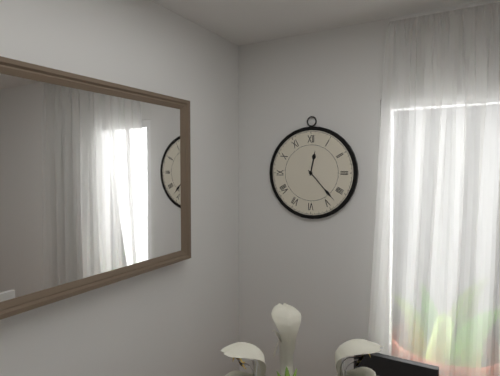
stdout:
h=12 m=23
